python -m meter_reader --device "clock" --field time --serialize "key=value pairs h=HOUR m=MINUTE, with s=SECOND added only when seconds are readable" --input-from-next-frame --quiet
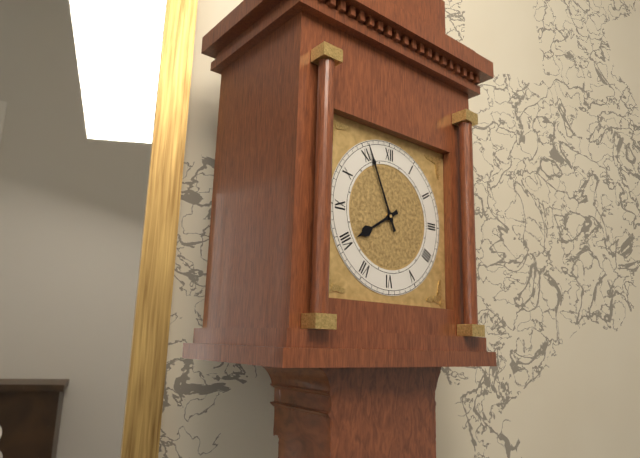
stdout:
h=7 m=56
